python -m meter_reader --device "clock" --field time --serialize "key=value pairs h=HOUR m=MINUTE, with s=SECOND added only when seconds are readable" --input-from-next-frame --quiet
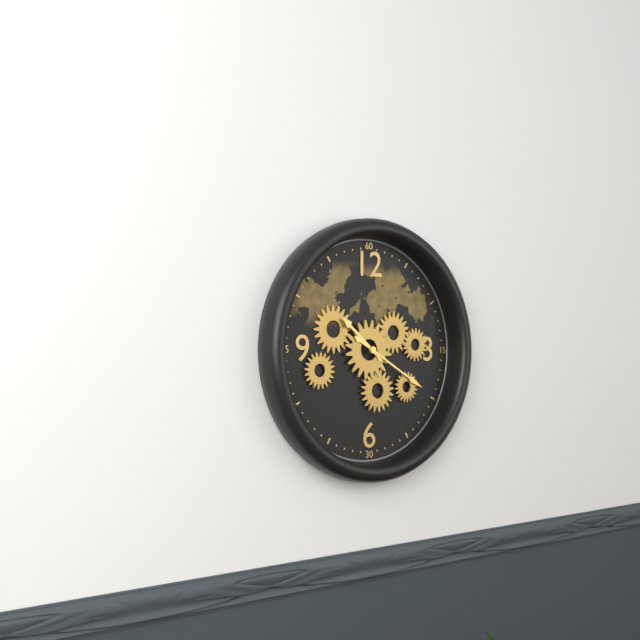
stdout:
h=10 m=20
